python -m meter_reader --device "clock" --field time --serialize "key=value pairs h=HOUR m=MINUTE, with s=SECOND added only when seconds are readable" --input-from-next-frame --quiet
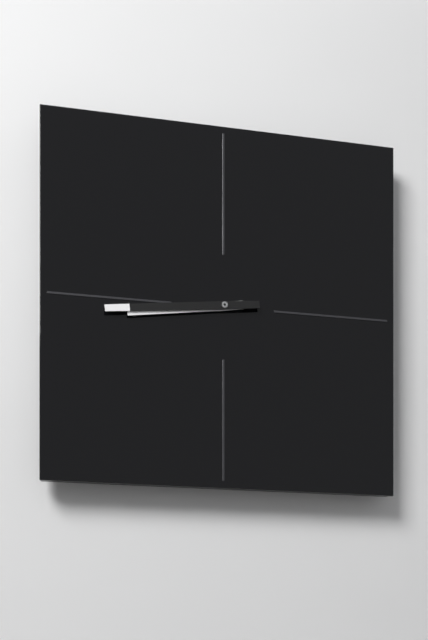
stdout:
h=8 m=44
